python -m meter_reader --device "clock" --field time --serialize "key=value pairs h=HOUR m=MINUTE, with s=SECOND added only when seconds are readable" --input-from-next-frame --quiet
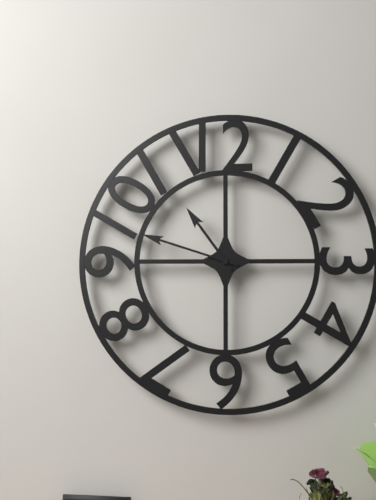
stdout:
h=10 m=48
